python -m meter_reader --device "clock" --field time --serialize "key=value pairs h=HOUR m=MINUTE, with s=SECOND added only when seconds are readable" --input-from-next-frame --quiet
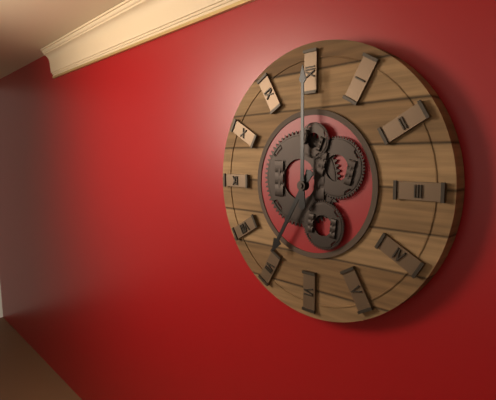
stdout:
h=7 m=0
